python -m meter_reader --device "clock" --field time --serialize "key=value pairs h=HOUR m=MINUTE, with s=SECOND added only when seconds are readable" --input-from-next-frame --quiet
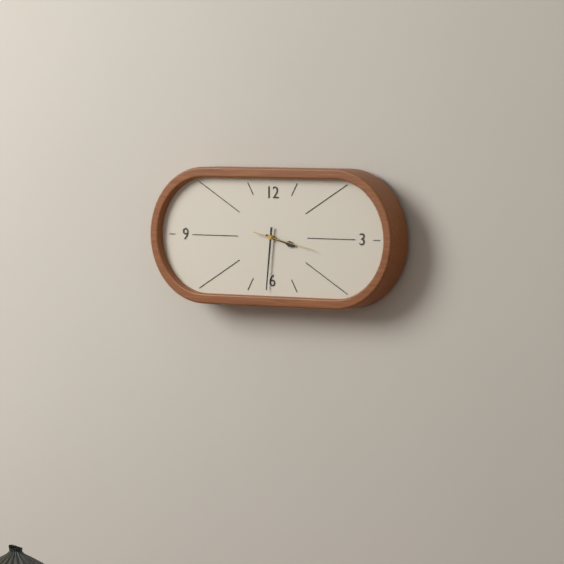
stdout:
h=3 m=31 s=17
